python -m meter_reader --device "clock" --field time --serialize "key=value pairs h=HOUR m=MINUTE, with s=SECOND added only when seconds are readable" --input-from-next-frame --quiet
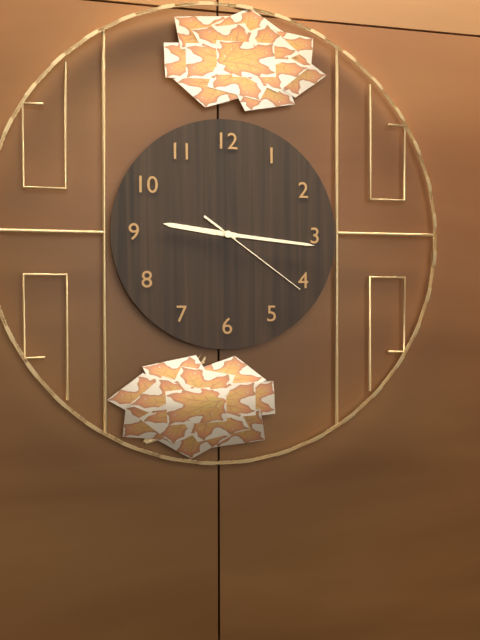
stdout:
h=9 m=16 s=21
